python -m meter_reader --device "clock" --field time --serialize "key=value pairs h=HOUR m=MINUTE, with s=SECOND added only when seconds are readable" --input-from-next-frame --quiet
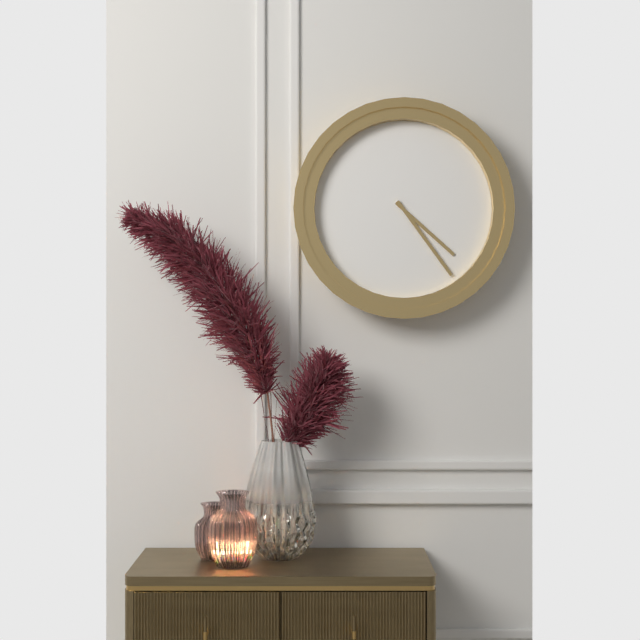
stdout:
h=4 m=24
